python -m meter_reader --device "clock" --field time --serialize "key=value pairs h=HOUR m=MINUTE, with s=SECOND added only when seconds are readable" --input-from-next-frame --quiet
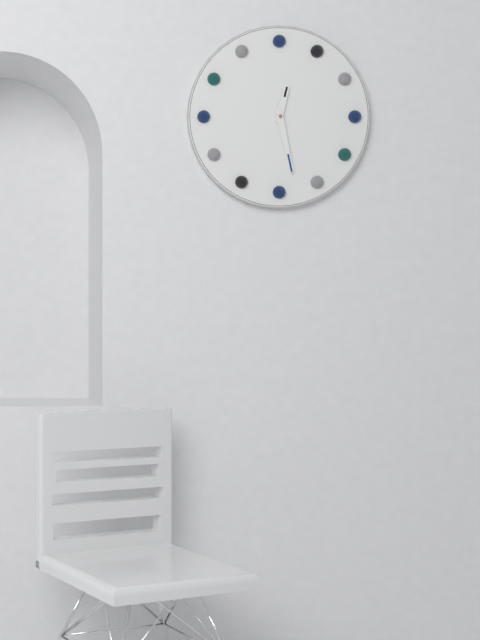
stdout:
h=12 m=28
